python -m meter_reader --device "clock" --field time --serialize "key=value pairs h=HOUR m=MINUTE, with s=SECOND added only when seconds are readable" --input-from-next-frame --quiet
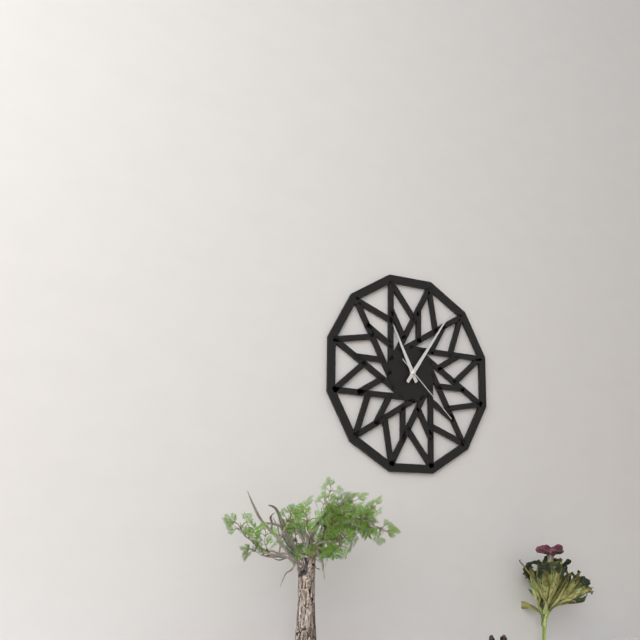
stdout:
h=11 m=6 s=22
